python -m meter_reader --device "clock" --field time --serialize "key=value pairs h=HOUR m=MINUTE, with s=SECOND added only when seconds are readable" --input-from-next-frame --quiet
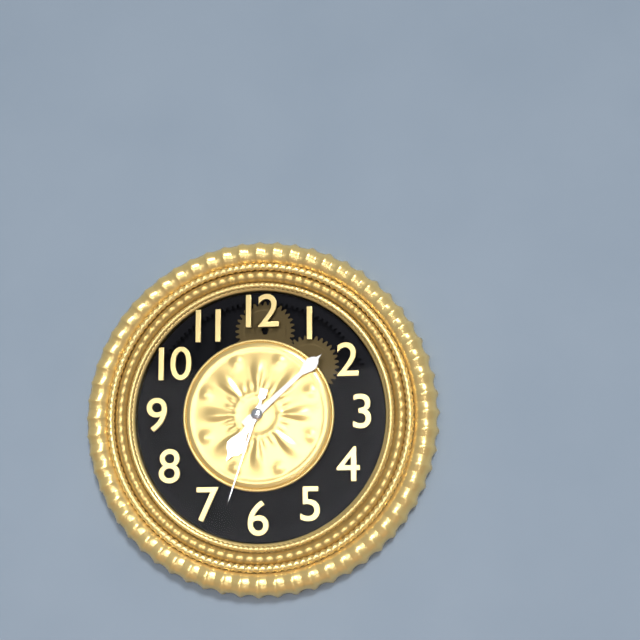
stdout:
h=7 m=8 s=33
